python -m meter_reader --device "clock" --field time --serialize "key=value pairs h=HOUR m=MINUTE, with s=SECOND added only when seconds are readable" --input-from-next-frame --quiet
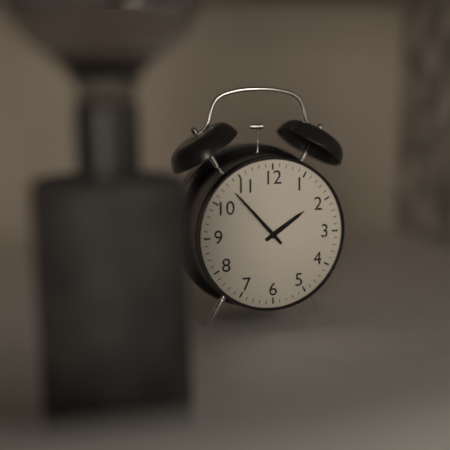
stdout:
h=1 m=53
